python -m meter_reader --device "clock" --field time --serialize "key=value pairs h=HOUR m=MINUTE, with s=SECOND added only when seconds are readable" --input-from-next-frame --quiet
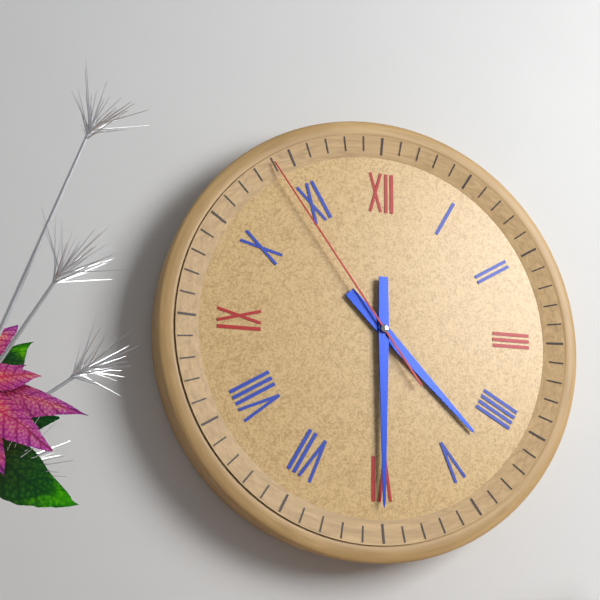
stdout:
h=4 m=30 s=54
